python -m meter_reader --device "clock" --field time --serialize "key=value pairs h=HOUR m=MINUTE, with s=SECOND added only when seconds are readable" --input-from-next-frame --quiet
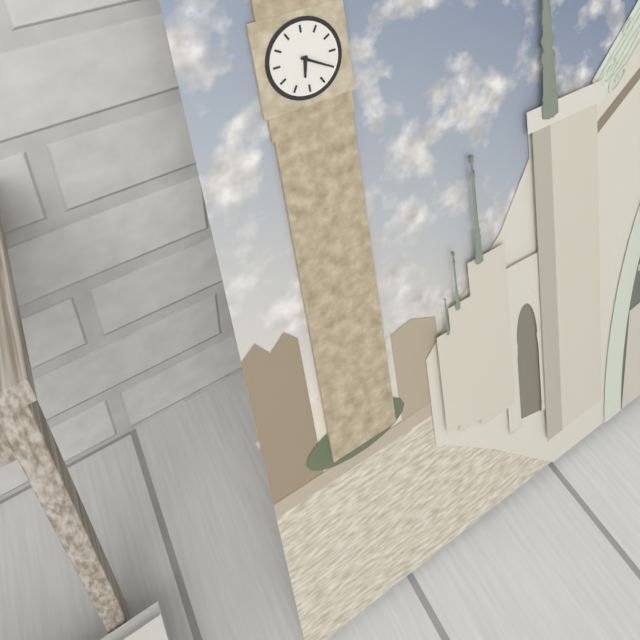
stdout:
h=6 m=20
